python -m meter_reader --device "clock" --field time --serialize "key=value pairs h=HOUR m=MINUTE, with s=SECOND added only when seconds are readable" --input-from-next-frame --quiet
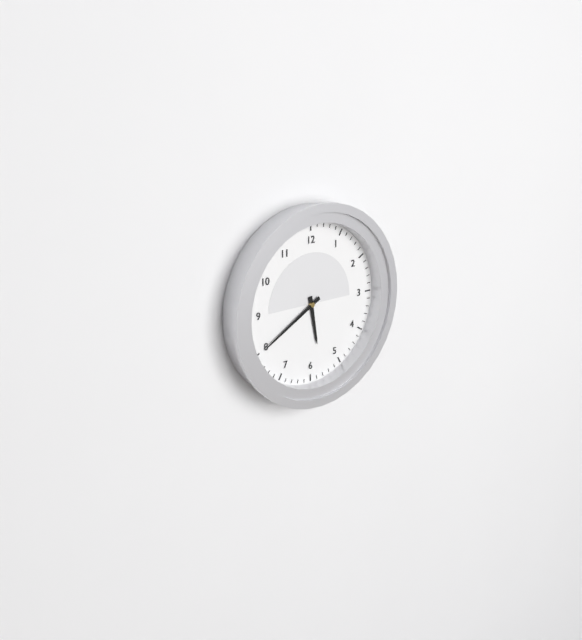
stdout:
h=5 m=40
